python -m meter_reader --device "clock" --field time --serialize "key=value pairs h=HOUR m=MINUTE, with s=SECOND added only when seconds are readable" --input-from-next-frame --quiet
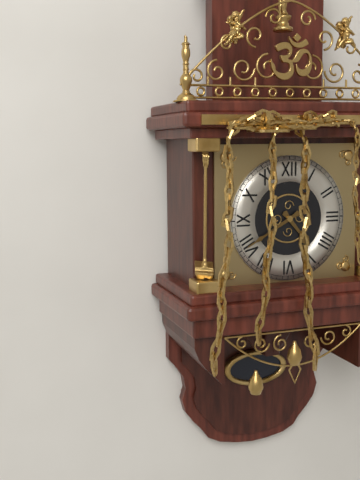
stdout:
h=4 m=40
